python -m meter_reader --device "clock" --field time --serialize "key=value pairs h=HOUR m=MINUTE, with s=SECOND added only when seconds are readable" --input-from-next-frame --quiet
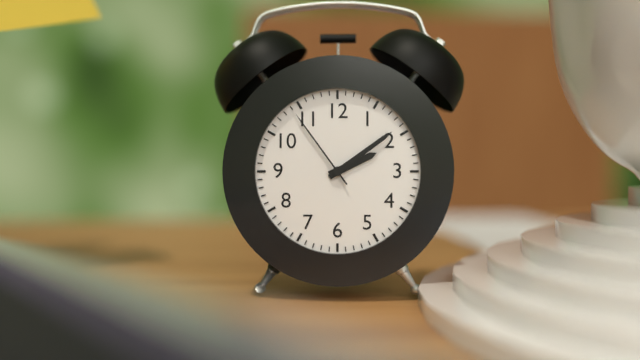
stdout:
h=2 m=9 s=54
